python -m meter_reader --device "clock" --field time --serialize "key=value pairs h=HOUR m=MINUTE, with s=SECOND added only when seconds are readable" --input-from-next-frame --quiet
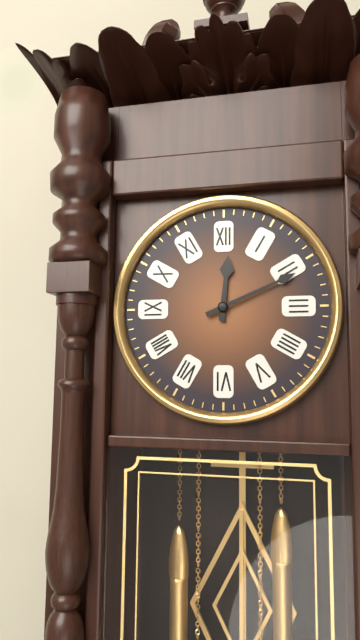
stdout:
h=12 m=11
